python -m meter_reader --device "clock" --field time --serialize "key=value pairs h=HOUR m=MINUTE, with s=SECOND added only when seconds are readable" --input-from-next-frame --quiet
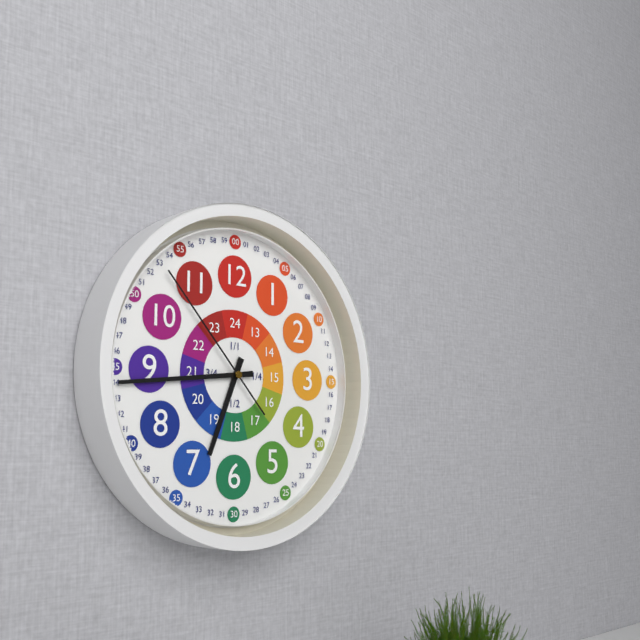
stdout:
h=6 m=44 s=53
